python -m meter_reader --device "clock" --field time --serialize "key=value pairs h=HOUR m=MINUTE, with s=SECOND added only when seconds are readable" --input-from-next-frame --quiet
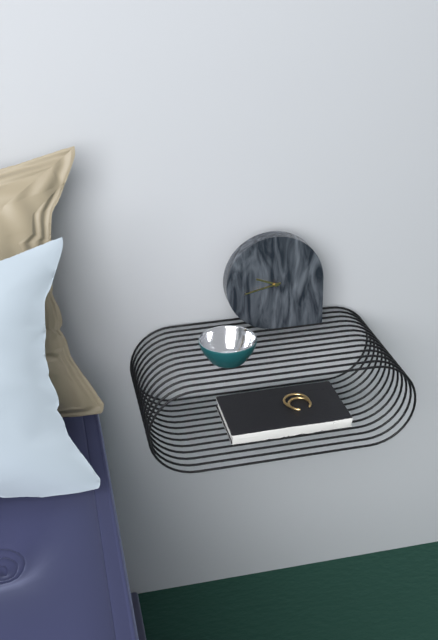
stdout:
h=9 m=43
